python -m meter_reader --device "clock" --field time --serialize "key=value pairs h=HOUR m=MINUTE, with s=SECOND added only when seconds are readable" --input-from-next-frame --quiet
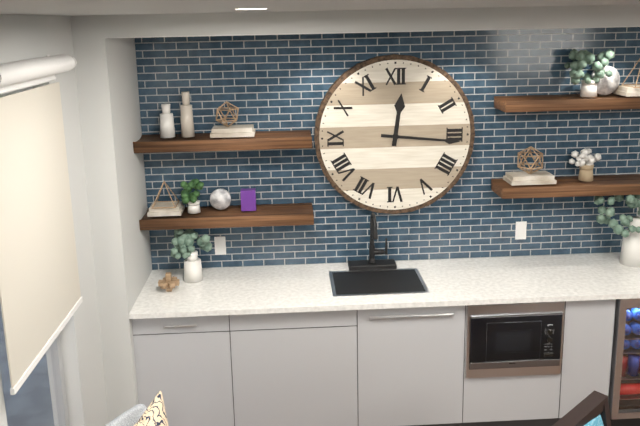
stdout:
h=12 m=16
